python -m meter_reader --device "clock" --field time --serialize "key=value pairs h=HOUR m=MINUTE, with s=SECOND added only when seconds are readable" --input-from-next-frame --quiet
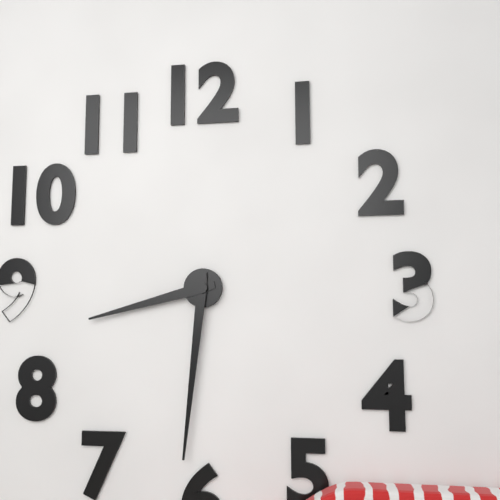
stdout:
h=8 m=31
